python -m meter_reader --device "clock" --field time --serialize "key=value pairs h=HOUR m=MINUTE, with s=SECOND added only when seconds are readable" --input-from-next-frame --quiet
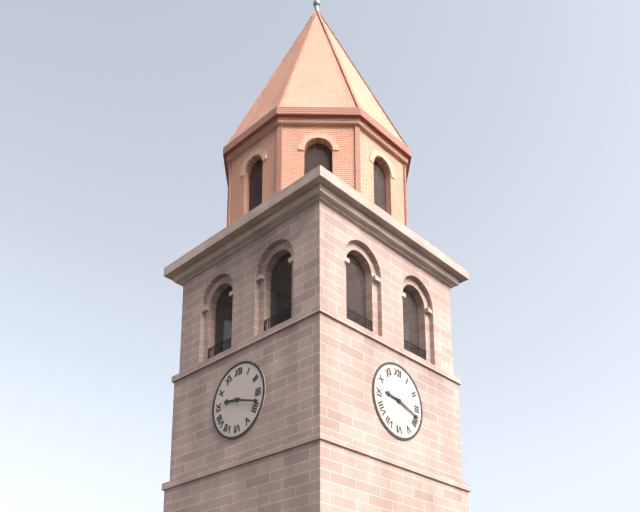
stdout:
h=9 m=18
